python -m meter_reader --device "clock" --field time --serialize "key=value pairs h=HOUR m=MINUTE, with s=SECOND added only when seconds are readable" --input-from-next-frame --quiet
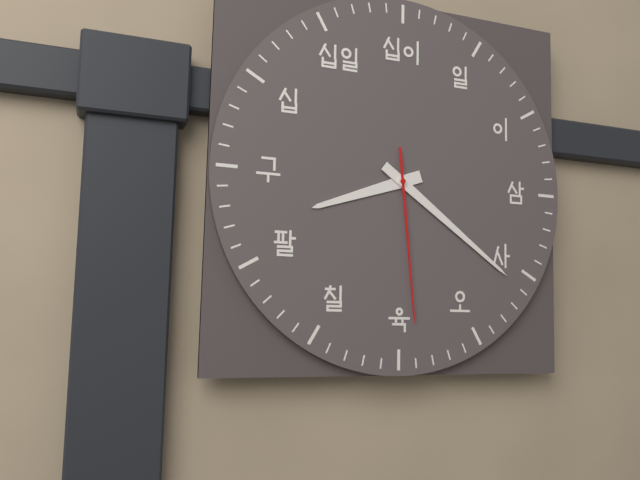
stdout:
h=8 m=21 s=29
